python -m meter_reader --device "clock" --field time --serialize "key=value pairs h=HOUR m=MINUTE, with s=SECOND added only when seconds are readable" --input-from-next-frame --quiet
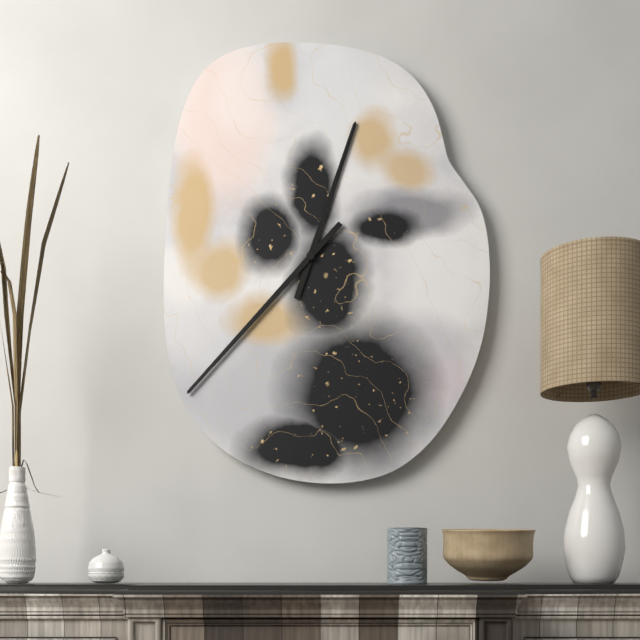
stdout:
h=12 m=37
